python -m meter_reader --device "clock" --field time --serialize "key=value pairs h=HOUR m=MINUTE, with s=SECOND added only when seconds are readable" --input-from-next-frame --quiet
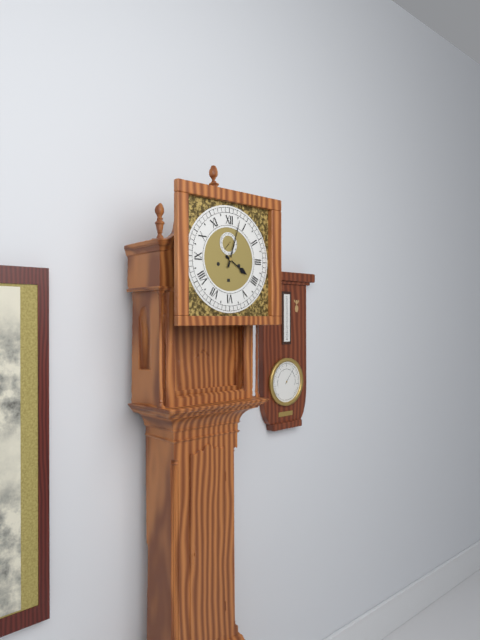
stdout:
h=4 m=3
